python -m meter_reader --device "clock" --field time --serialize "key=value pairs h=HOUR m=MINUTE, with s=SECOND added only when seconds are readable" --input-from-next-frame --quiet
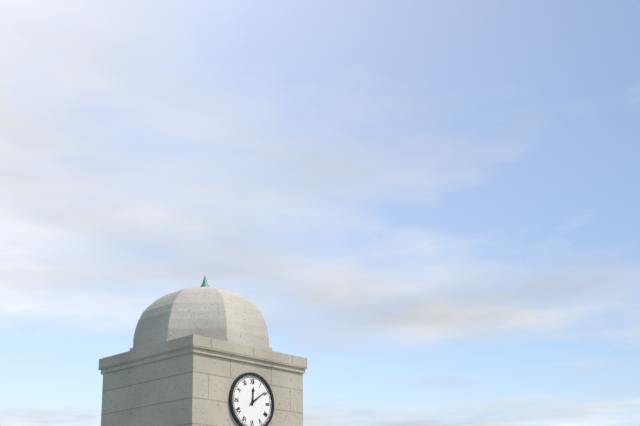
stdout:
h=12 m=9
